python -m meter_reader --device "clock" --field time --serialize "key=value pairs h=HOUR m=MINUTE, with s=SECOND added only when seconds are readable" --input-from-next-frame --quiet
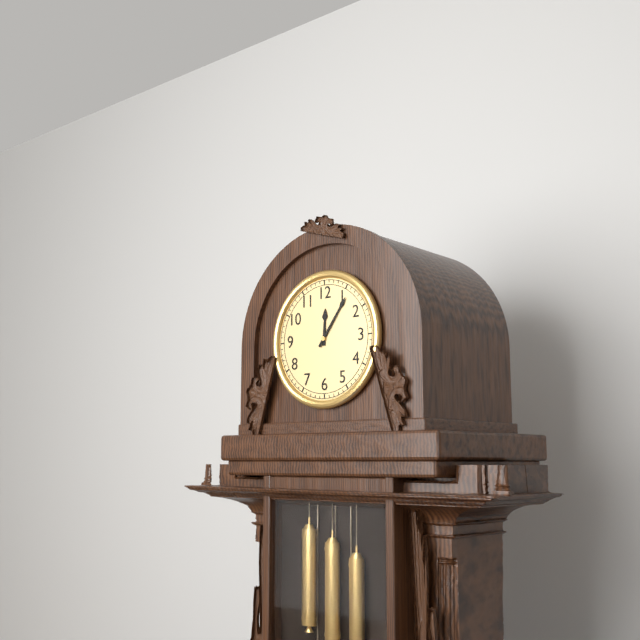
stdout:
h=12 m=6
